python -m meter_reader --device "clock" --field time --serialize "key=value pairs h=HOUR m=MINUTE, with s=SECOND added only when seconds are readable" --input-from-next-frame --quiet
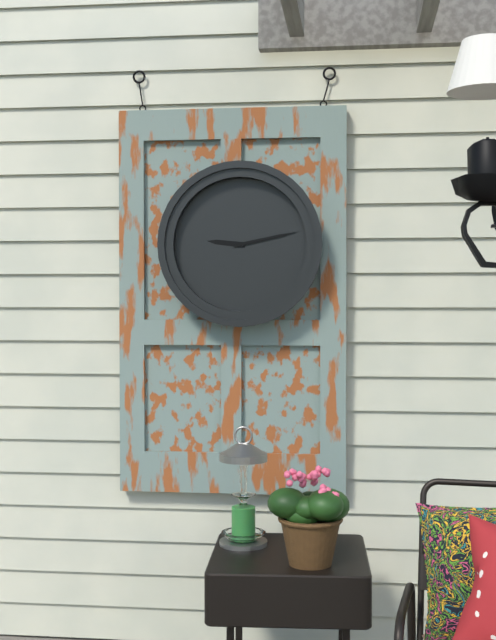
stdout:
h=9 m=13
